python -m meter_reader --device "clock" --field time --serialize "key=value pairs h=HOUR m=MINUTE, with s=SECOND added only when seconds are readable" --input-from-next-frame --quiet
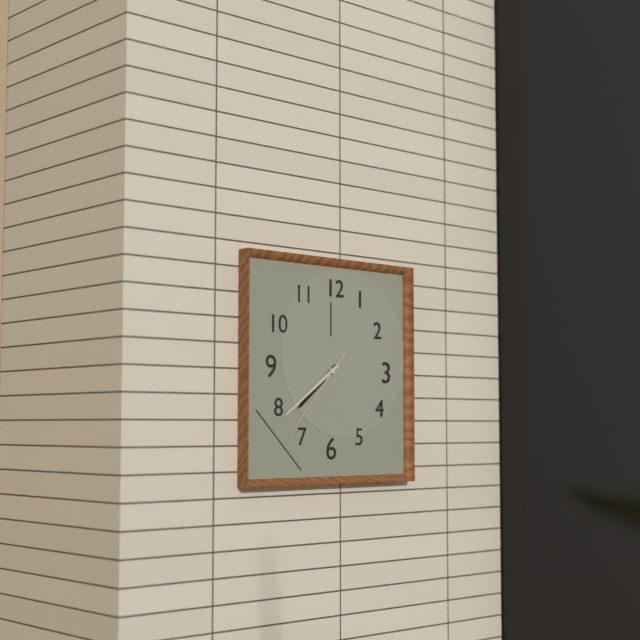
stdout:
h=7 m=39 s=37
